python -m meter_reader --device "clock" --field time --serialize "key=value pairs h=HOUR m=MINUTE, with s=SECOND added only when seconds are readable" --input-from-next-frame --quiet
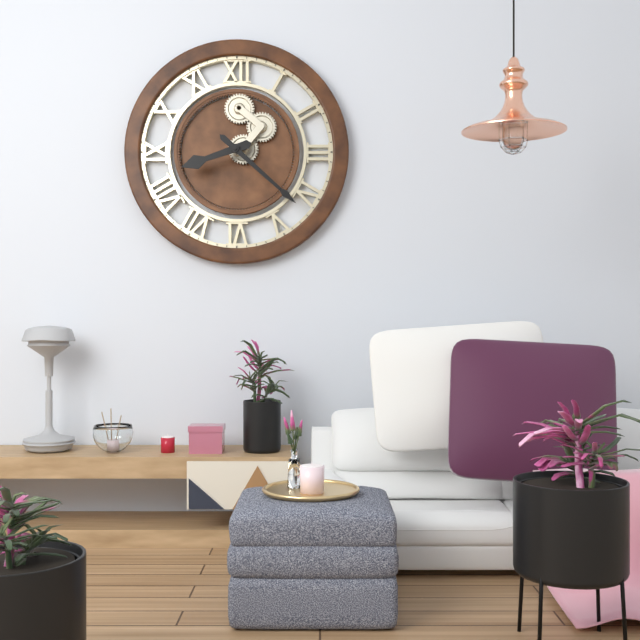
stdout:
h=8 m=22
